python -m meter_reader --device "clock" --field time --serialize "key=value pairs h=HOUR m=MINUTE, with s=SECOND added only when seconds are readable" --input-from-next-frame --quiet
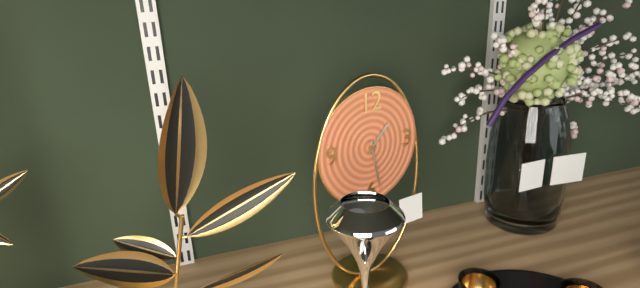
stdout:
h=1 m=28
